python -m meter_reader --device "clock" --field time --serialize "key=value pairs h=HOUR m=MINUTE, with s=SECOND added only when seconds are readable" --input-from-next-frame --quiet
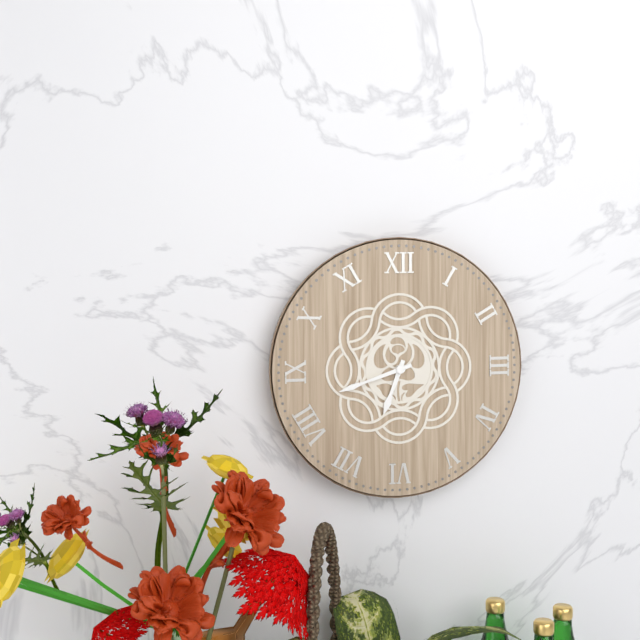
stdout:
h=6 m=42
